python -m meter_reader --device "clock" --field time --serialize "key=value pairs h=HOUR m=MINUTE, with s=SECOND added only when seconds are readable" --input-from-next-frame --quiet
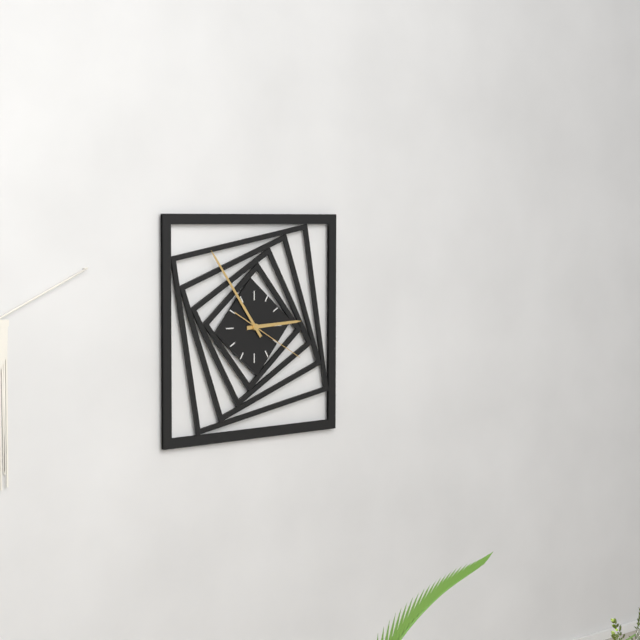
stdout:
h=2 m=54 s=20
